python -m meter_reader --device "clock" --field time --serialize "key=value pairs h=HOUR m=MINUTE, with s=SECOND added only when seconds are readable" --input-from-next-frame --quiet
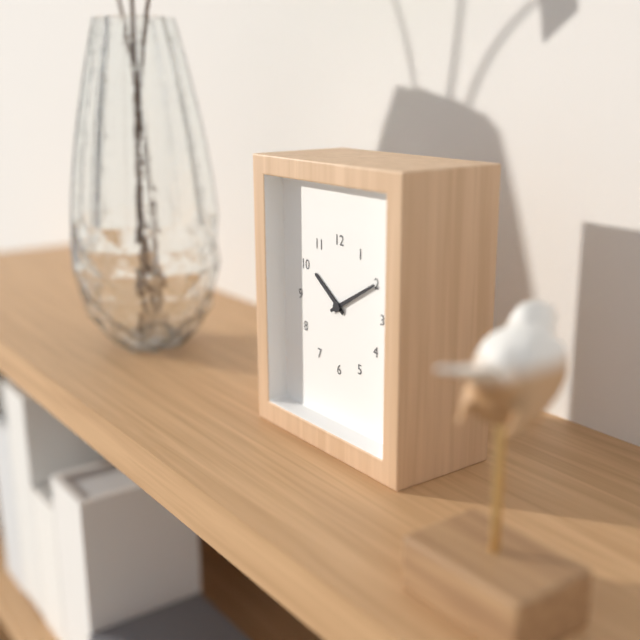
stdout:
h=10 m=10
